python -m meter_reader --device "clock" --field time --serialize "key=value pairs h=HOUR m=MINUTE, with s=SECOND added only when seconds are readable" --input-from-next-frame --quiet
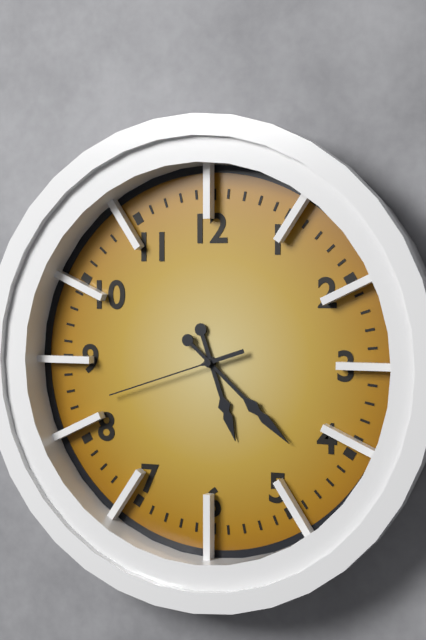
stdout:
h=5 m=22 s=42
